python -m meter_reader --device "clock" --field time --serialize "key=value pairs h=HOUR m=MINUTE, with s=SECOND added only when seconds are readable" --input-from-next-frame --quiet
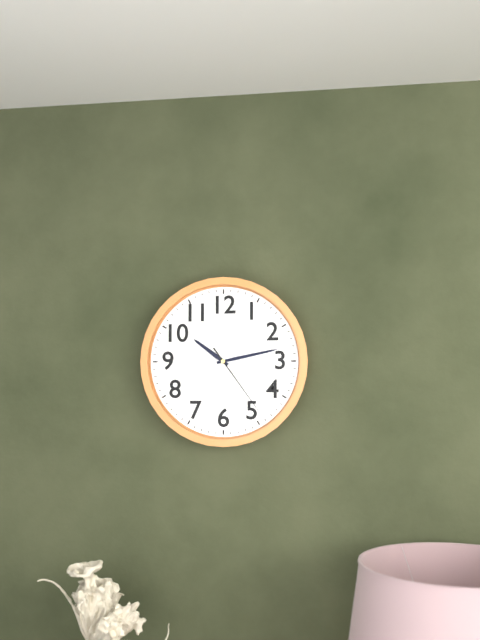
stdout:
h=10 m=13 s=24
